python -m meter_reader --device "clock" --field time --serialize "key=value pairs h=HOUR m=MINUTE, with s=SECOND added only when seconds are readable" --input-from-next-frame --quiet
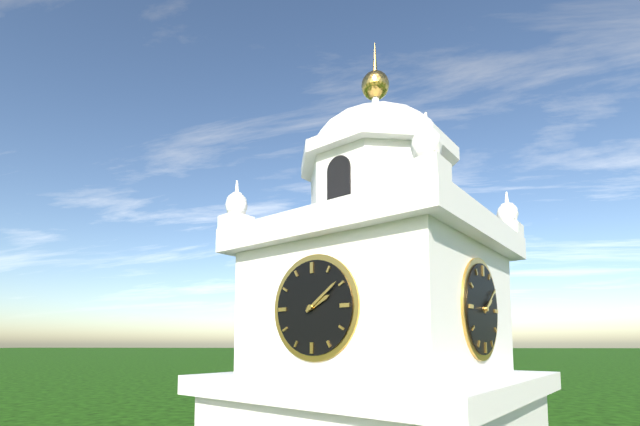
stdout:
h=2 m=9
